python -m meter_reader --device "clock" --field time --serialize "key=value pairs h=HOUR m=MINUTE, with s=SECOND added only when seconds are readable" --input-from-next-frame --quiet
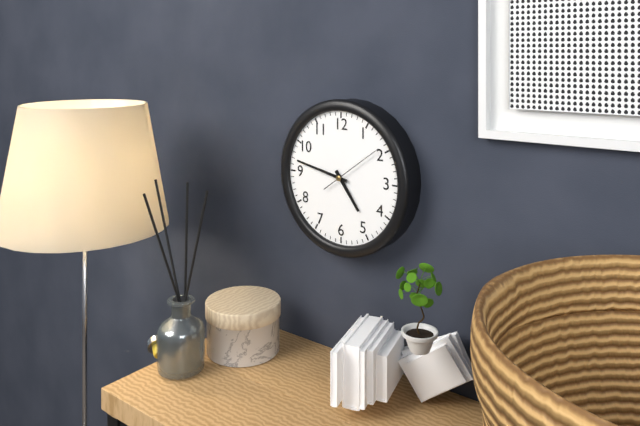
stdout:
h=4 m=47 s=9
